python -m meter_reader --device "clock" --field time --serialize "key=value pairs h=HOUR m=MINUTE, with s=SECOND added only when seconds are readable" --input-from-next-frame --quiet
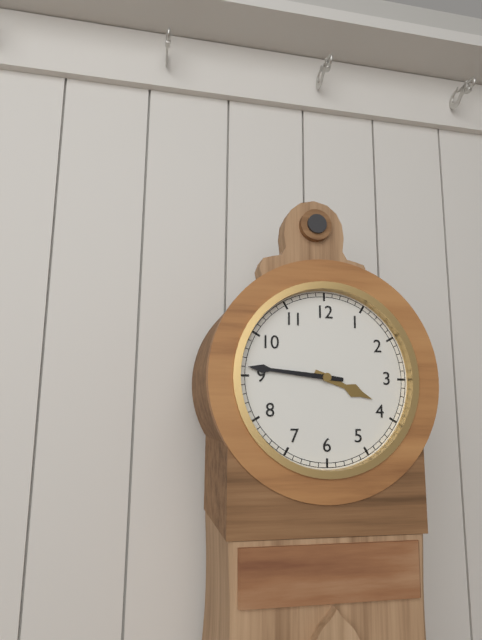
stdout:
h=3 m=46
